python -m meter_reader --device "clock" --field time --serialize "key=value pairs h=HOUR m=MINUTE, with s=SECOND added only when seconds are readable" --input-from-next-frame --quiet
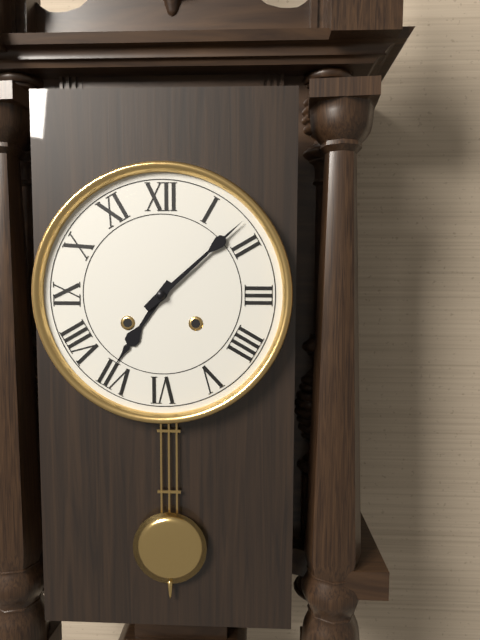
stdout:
h=7 m=8
